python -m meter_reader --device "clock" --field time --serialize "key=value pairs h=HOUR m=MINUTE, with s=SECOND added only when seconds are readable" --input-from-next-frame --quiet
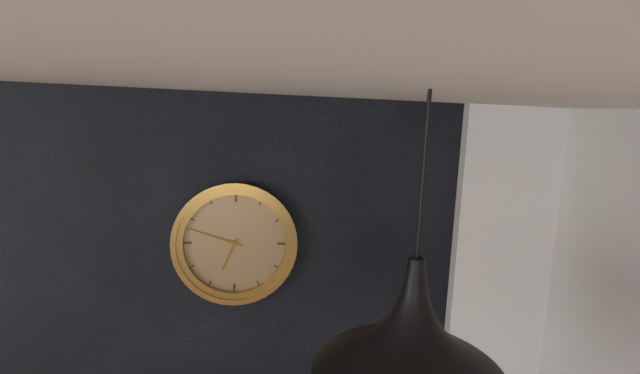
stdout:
h=6 m=48
